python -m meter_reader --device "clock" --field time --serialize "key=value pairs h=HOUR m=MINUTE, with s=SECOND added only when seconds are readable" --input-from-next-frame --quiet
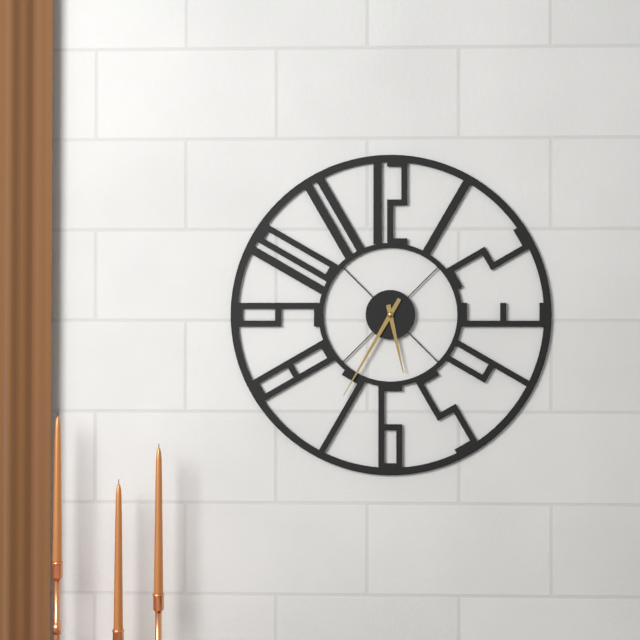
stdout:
h=5 m=35
